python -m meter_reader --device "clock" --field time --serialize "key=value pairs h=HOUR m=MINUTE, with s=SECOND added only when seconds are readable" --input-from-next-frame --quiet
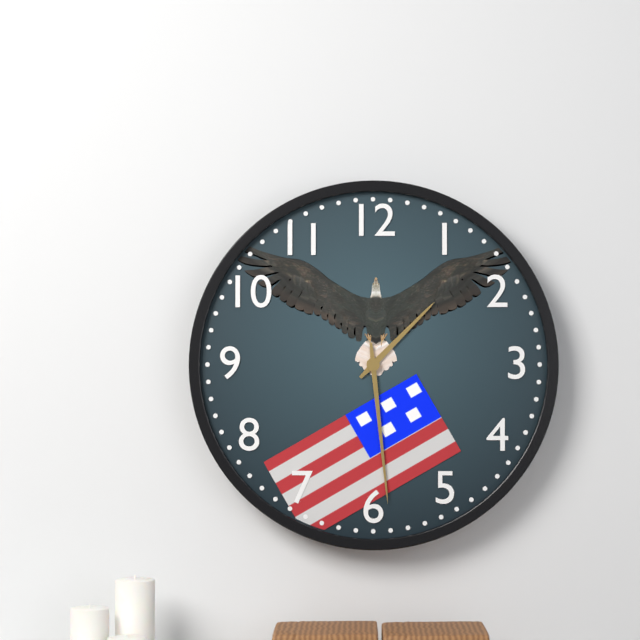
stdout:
h=1 m=29
